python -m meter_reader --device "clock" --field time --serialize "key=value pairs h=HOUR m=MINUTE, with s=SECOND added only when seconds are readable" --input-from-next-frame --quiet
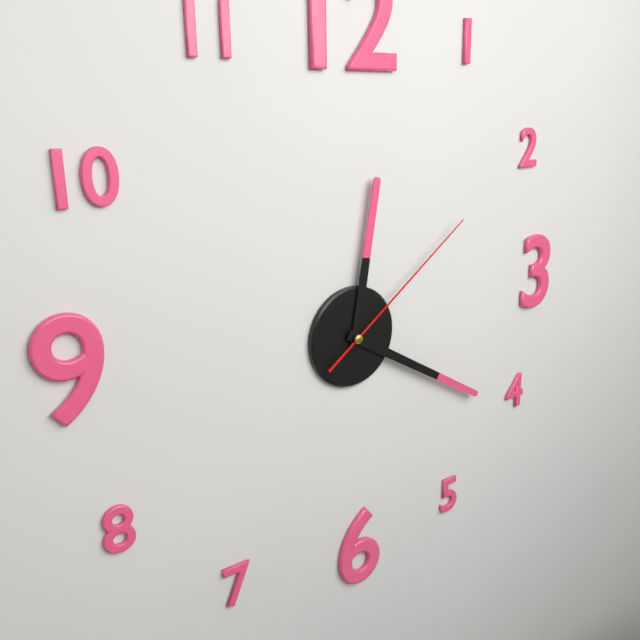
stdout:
h=12 m=20 s=9
